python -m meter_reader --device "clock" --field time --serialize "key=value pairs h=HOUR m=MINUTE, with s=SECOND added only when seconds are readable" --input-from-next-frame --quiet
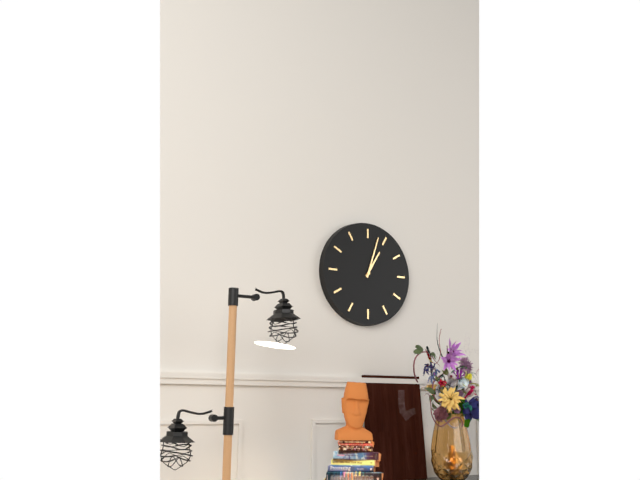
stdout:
h=1 m=3
